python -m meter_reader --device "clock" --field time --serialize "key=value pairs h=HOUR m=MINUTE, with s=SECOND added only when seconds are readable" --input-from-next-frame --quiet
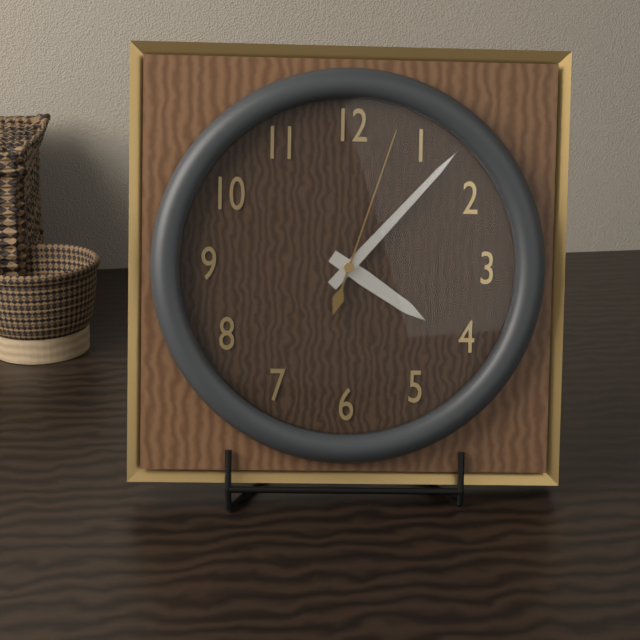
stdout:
h=4 m=7 s=3
